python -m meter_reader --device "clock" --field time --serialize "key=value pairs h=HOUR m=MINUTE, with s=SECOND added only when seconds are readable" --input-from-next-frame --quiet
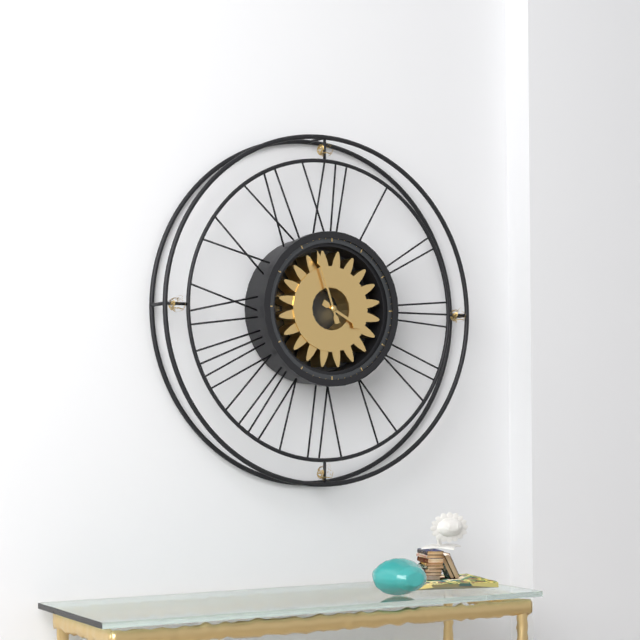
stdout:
h=3 m=57
